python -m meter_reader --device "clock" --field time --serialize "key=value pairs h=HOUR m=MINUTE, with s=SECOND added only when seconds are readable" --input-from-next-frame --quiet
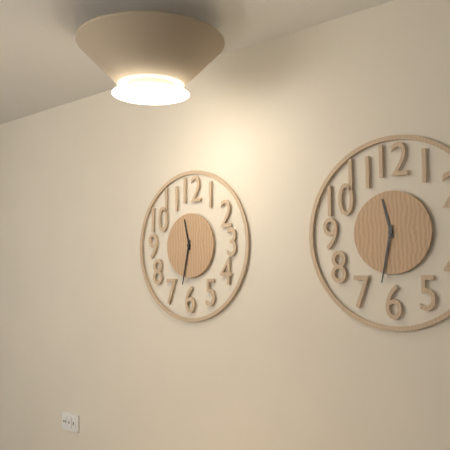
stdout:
h=11 m=32
